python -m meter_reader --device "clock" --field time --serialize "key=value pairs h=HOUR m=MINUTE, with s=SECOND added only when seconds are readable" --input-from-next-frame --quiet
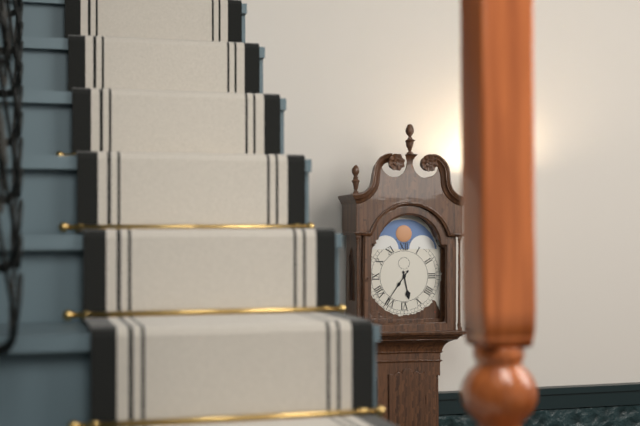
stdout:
h=5 m=36
